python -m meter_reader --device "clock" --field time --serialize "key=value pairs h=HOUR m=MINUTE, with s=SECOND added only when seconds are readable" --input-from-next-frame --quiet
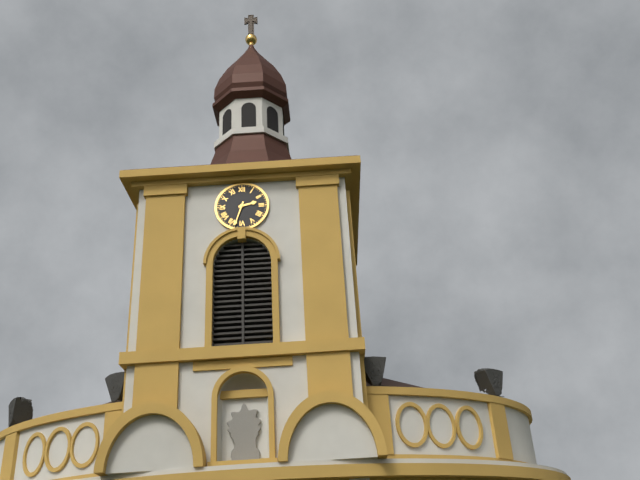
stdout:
h=2 m=33
